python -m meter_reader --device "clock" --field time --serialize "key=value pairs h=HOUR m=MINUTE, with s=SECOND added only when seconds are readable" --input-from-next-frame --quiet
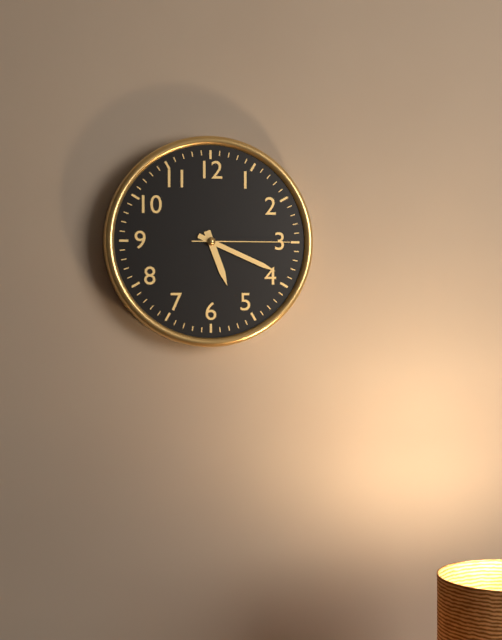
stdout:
h=5 m=19 s=15
